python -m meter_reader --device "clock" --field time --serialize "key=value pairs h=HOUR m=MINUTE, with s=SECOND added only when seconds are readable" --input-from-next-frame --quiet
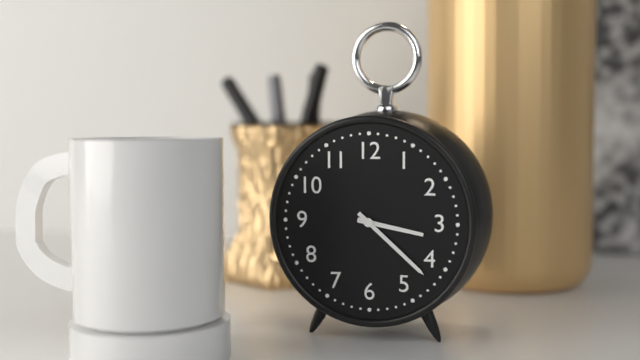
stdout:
h=3 m=22
